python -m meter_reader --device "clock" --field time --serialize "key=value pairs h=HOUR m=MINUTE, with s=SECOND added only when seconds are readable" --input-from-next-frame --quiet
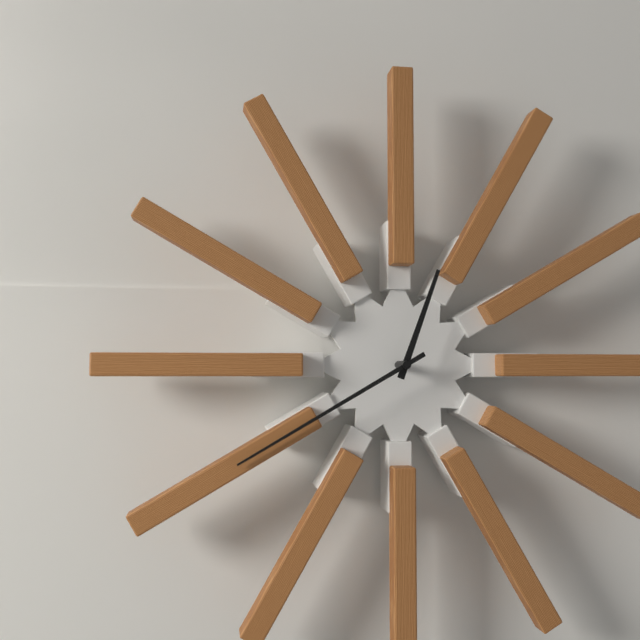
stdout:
h=12 m=40
